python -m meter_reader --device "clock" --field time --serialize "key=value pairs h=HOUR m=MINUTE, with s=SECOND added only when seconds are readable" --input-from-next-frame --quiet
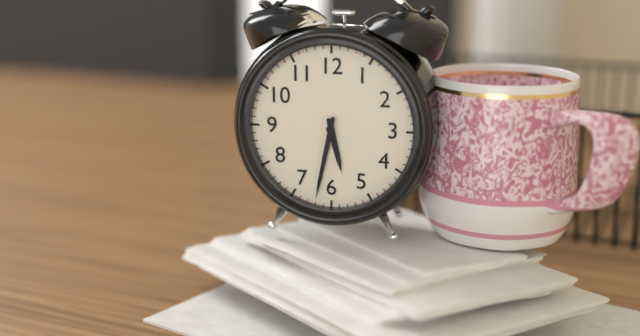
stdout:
h=5 m=32
